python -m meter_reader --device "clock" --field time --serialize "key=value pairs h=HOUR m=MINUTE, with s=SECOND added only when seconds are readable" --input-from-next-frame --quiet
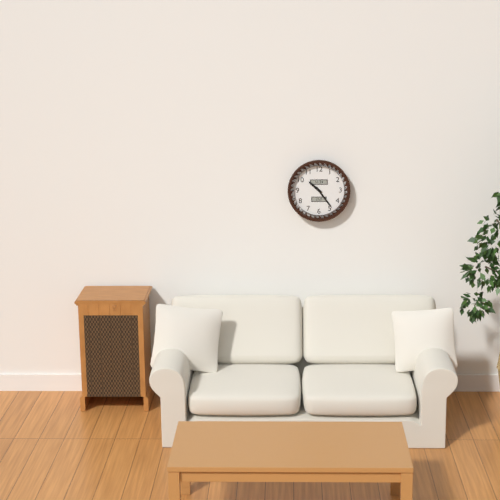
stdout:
h=10 m=24
